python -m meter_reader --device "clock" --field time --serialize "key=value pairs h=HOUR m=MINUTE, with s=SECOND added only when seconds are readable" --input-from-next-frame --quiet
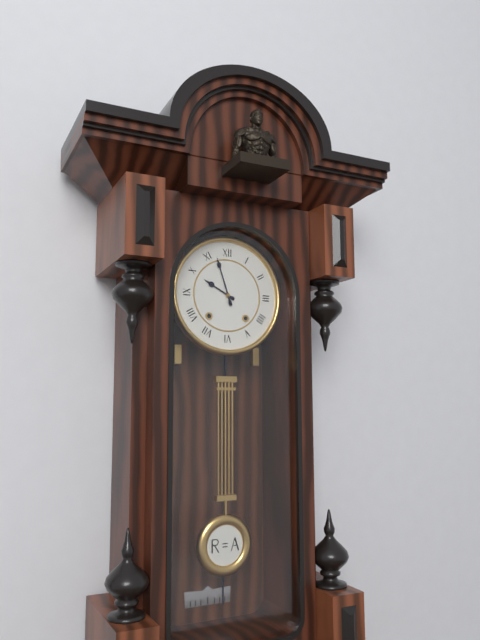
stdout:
h=9 m=57
